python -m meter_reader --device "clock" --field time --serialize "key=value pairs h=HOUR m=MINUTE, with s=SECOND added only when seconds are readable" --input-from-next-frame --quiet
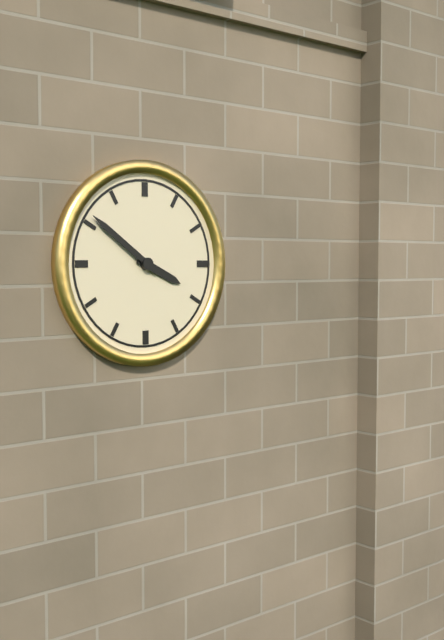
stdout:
h=3 m=51
